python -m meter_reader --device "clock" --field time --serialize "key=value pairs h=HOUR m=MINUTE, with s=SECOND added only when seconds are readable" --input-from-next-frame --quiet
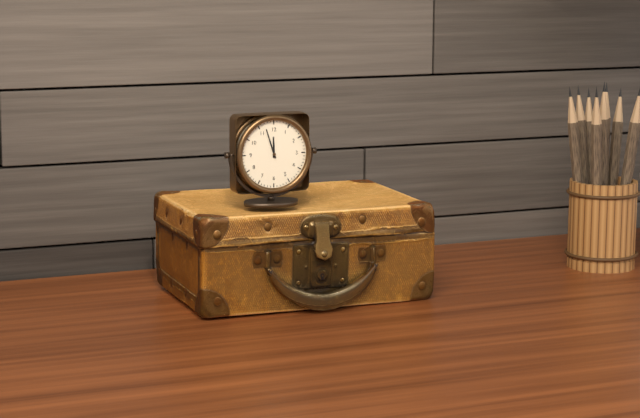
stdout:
h=11 m=57
